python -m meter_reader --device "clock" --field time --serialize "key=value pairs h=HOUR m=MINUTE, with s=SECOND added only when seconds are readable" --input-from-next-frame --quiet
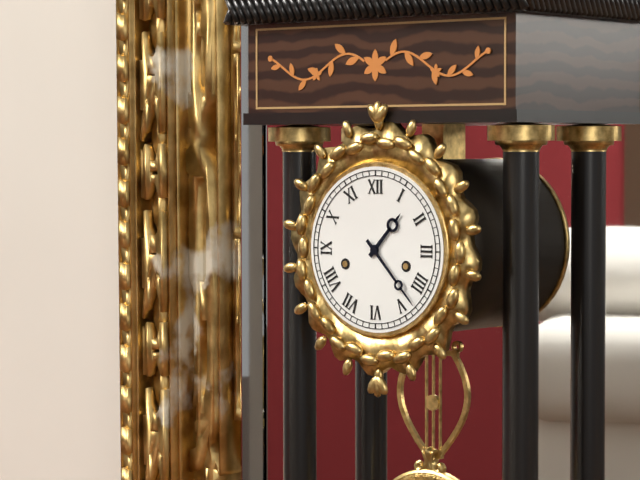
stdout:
h=1 m=23
